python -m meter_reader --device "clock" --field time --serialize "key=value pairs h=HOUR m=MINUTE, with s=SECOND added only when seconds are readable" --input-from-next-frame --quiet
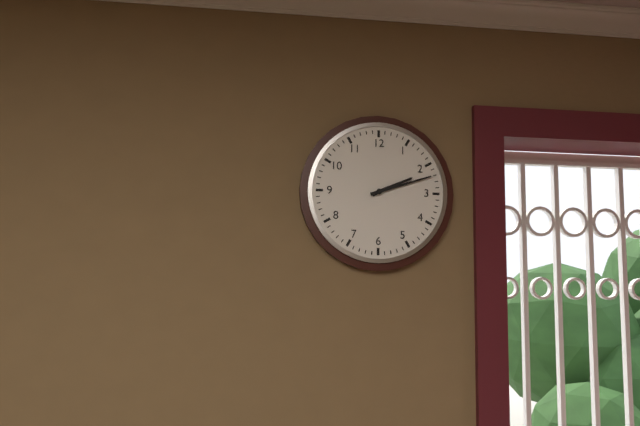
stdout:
h=2 m=12
